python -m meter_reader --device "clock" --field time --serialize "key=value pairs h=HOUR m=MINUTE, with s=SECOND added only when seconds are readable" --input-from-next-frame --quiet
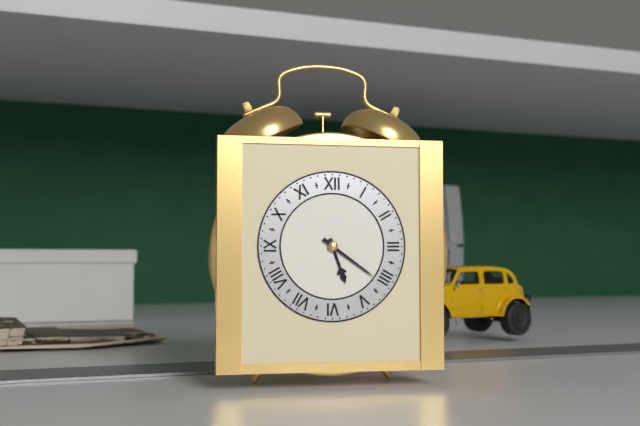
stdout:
h=5 m=21
